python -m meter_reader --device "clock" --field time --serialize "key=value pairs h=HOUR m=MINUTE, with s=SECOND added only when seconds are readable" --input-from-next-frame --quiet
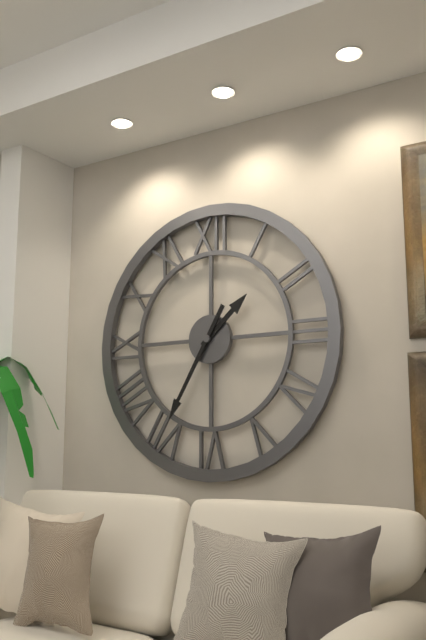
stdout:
h=1 m=35
